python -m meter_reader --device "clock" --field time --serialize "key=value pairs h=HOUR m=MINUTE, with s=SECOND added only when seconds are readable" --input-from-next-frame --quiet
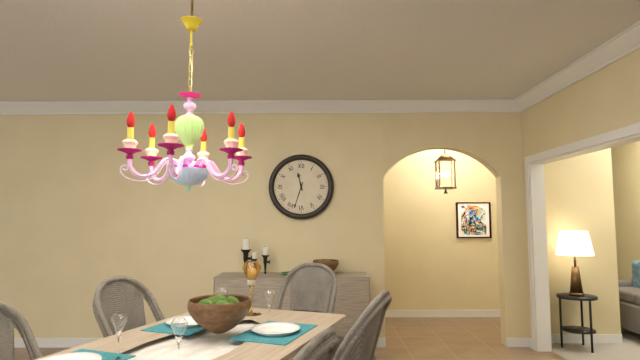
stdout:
h=11 m=33
